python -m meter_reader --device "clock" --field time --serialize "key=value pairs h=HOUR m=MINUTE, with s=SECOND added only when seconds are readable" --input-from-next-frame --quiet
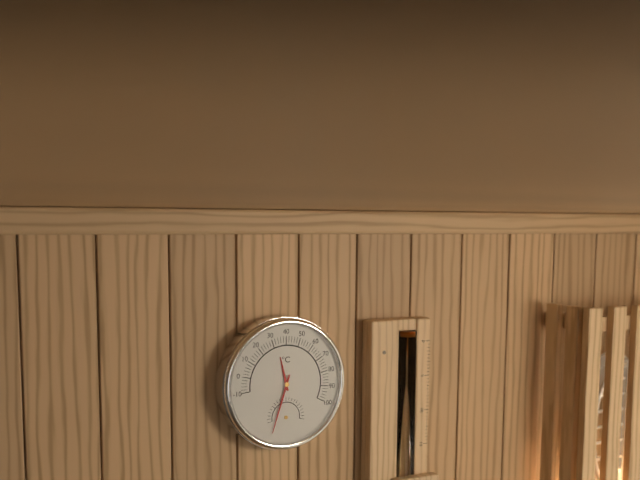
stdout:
h=11 m=33
